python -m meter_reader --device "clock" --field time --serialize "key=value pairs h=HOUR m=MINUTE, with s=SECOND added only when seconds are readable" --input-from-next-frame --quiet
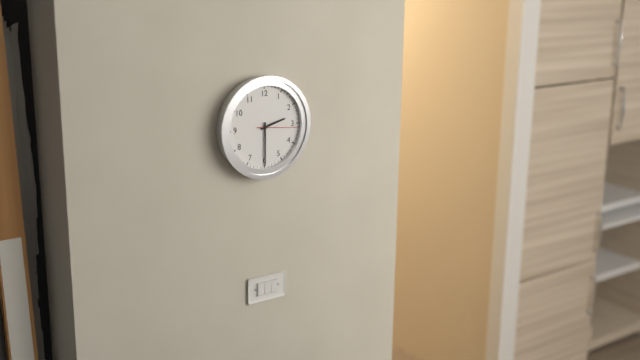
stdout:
h=2 m=30
